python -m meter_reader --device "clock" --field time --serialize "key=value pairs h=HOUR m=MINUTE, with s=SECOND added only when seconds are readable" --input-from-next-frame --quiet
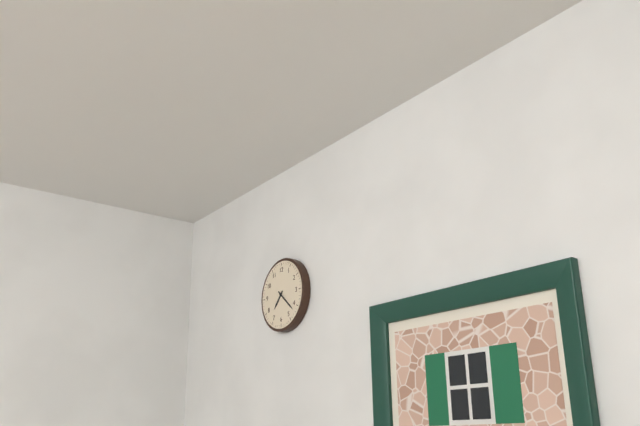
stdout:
h=7 m=22
